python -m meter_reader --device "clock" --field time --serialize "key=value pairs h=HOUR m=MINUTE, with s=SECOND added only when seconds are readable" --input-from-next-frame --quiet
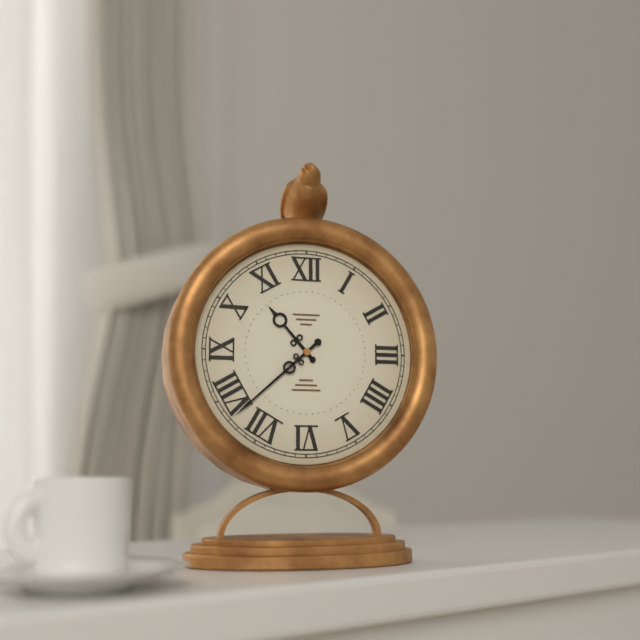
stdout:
h=10 m=38
